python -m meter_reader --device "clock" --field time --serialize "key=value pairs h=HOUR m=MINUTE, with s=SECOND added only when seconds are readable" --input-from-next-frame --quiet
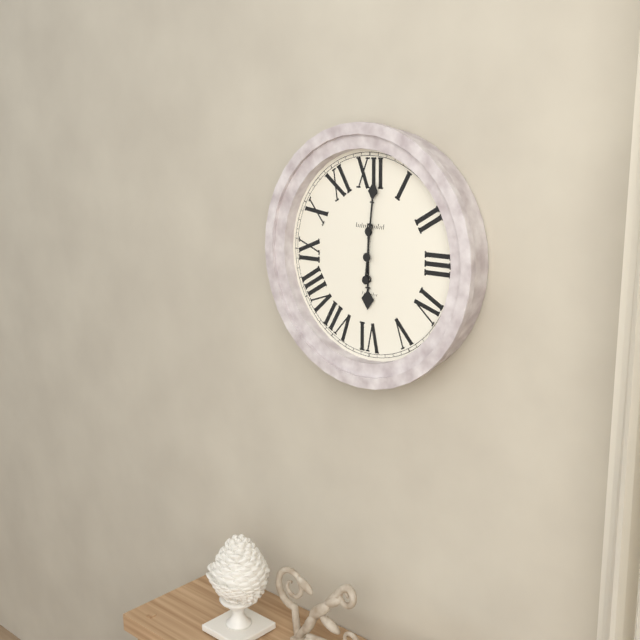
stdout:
h=6 m=1
